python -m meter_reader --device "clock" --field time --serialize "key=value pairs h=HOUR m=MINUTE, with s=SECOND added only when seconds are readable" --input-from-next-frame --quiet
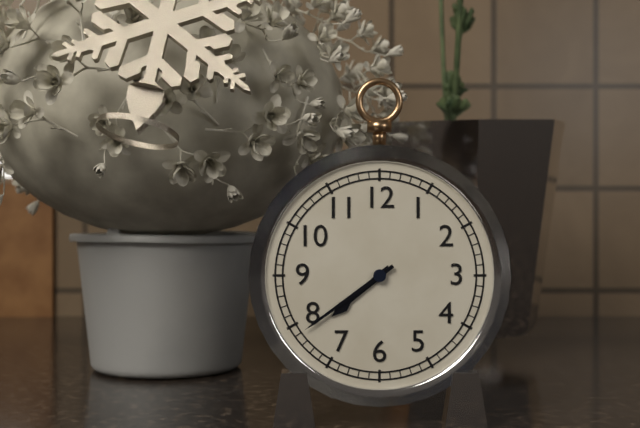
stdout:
h=7 m=39
